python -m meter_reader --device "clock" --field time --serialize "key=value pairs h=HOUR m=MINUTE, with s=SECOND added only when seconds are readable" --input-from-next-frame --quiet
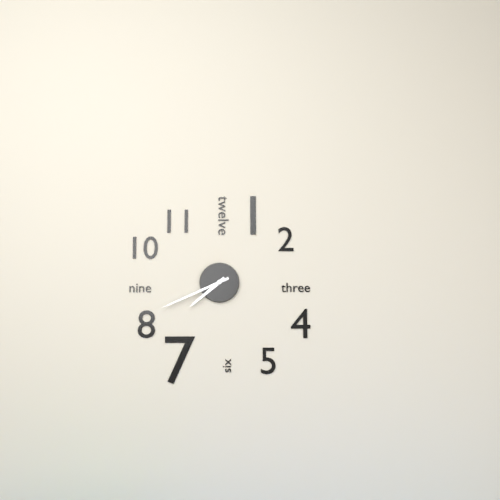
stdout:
h=7 m=41
